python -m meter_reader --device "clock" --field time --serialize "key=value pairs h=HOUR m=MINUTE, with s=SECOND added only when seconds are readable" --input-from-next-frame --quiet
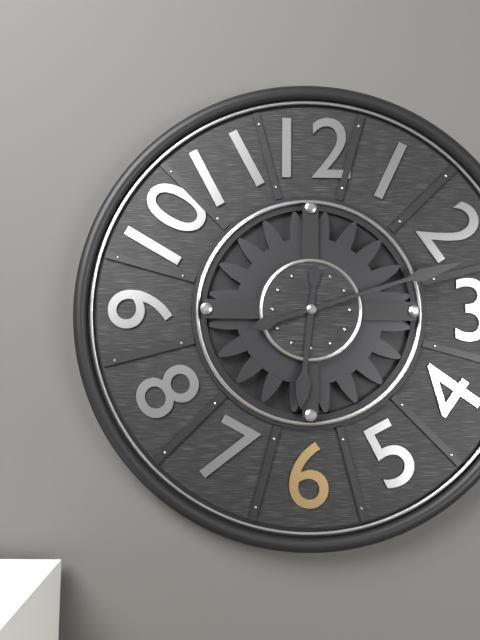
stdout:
h=6 m=12
